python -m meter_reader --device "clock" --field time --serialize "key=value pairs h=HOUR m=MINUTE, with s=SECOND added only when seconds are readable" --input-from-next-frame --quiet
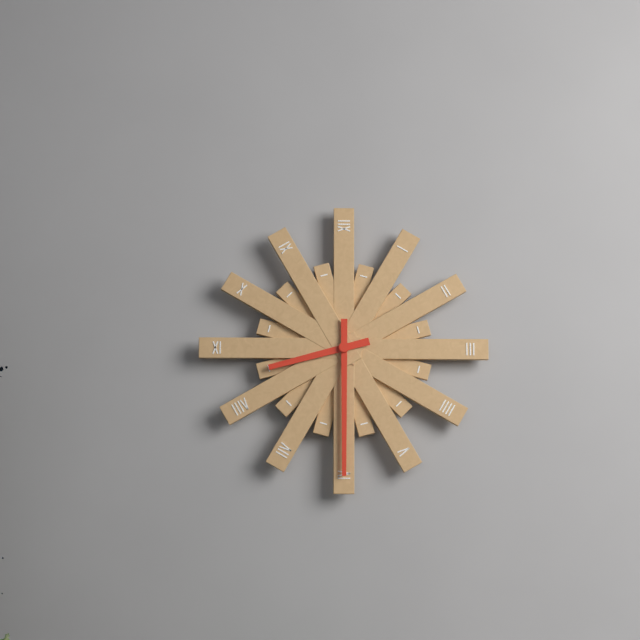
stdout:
h=8 m=30
